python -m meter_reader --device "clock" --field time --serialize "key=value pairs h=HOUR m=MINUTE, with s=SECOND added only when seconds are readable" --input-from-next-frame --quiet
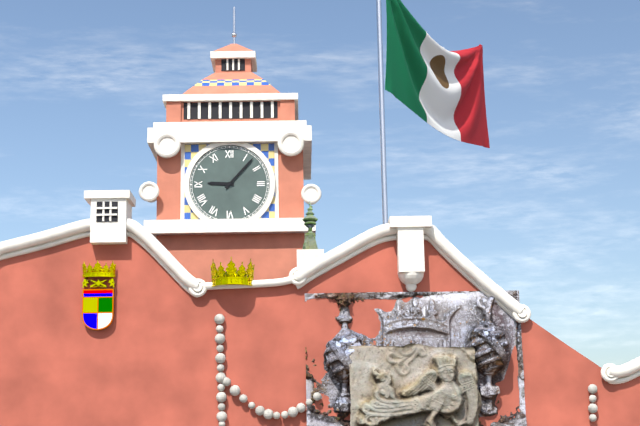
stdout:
h=9 m=7
